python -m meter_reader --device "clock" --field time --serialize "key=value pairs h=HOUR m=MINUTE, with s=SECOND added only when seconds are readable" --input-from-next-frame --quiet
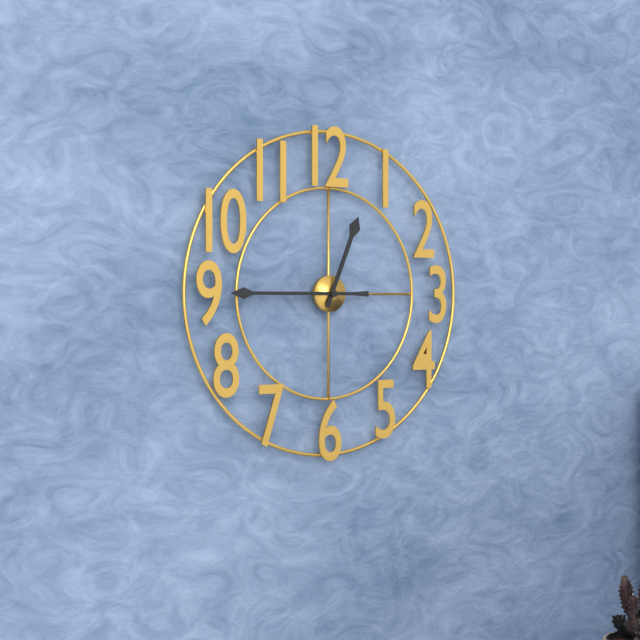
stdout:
h=12 m=45
